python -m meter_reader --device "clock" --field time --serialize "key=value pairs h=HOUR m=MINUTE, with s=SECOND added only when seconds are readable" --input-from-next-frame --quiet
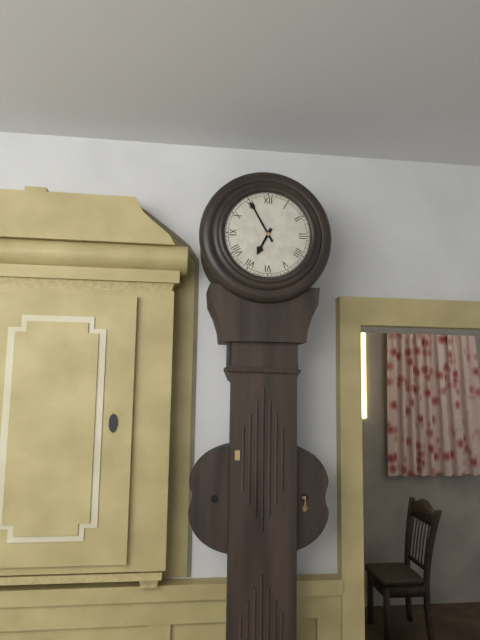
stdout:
h=6 m=55
